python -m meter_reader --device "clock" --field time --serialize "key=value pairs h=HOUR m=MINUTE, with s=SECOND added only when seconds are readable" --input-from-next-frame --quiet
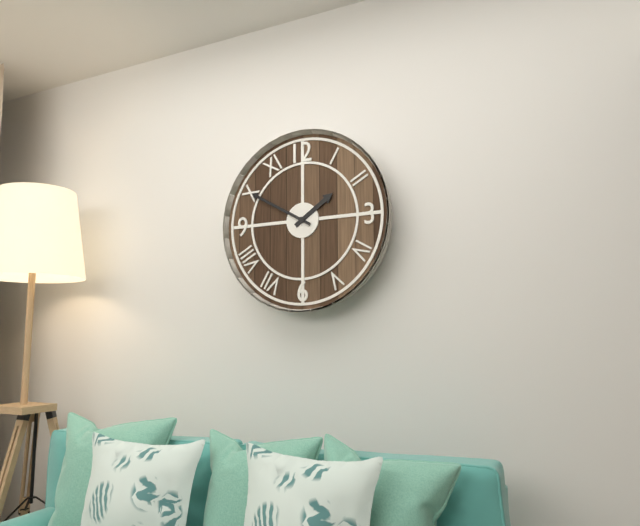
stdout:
h=1 m=50
